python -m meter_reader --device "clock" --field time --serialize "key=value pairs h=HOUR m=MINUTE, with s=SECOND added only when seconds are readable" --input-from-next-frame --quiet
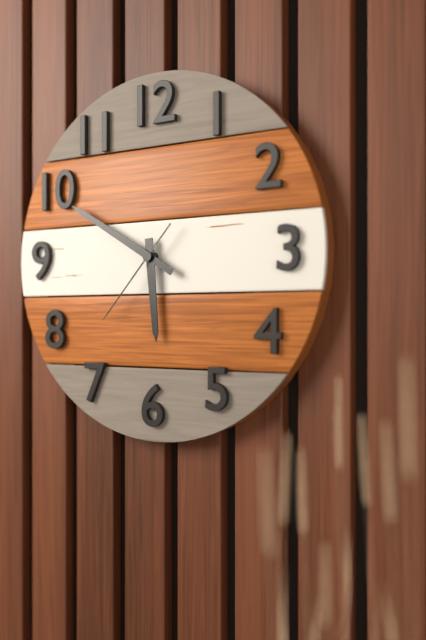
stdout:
h=5 m=50 s=37
